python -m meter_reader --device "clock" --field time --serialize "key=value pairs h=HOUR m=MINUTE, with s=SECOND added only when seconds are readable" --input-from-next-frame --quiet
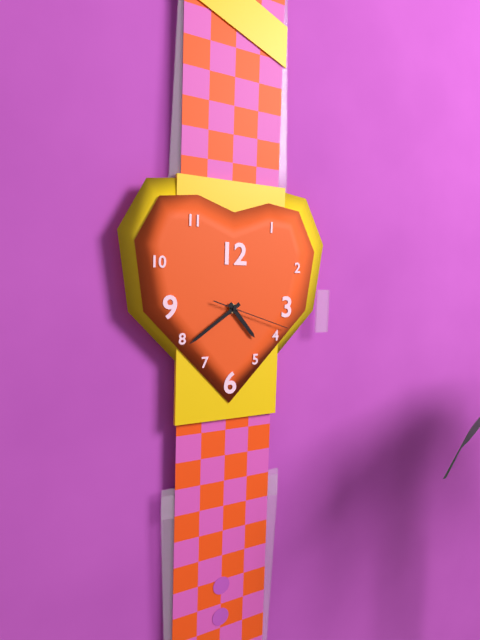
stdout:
h=4 m=39 s=18
